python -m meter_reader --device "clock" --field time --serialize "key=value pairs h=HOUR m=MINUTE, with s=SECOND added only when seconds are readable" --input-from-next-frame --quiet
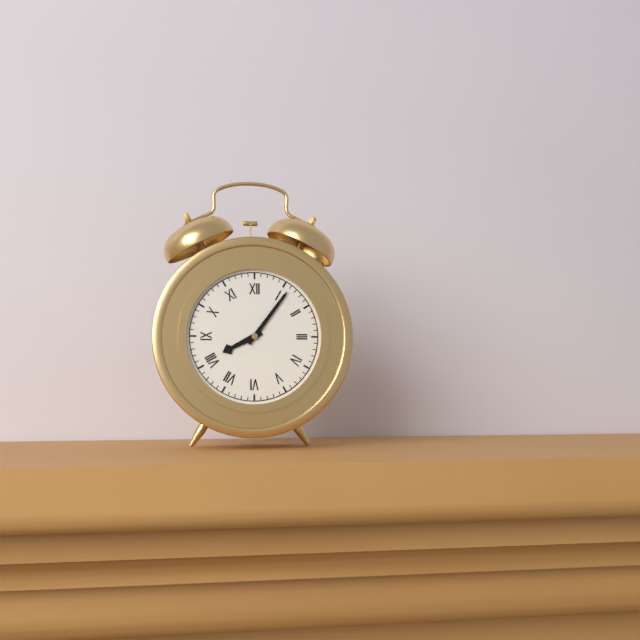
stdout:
h=8 m=6
